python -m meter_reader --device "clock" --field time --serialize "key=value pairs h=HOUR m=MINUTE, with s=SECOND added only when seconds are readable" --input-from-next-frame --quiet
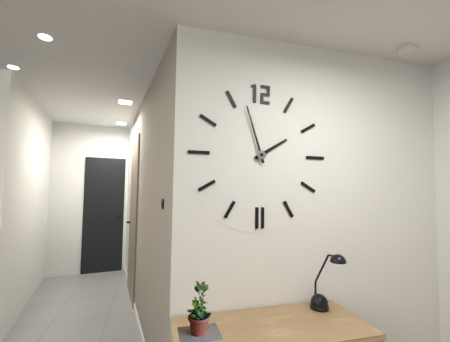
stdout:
h=1 m=57
